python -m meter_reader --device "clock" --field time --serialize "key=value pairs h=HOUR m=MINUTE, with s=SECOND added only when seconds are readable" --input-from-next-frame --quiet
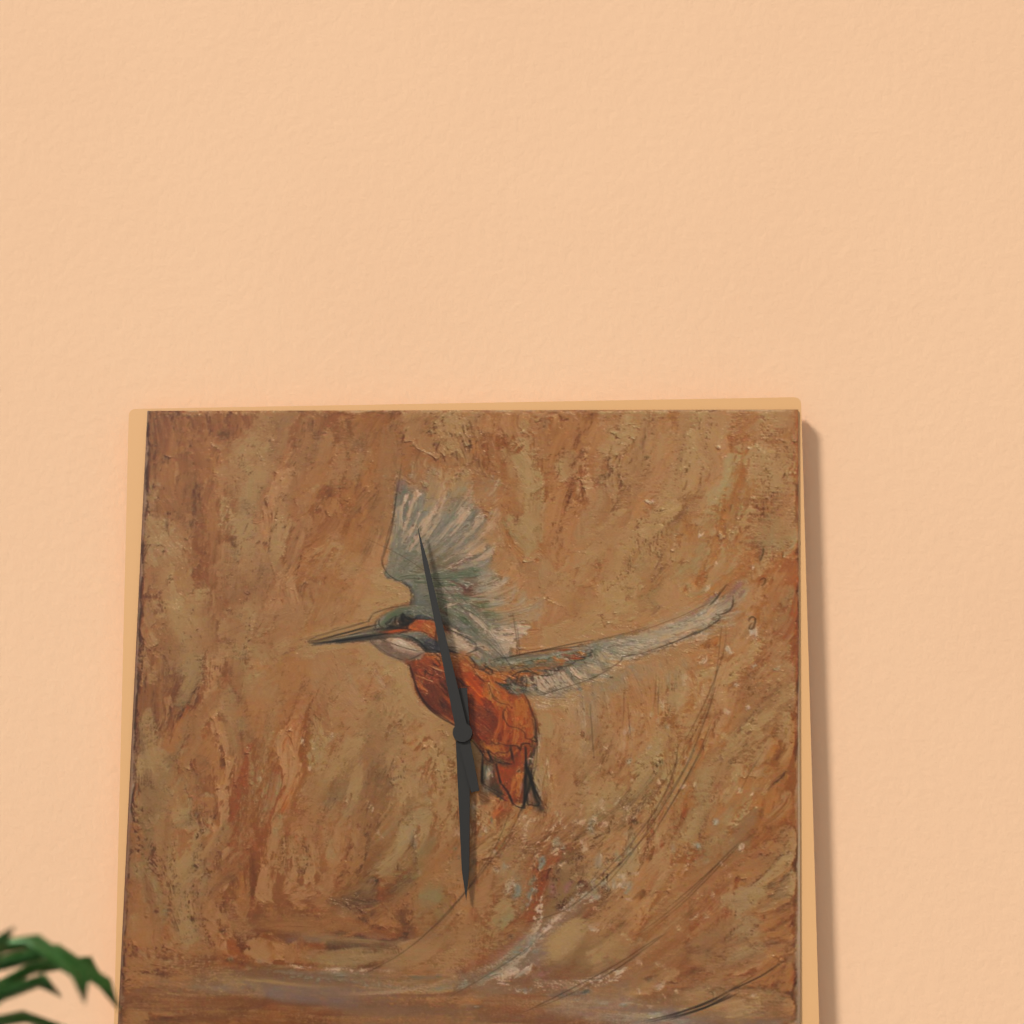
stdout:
h=5 m=58
